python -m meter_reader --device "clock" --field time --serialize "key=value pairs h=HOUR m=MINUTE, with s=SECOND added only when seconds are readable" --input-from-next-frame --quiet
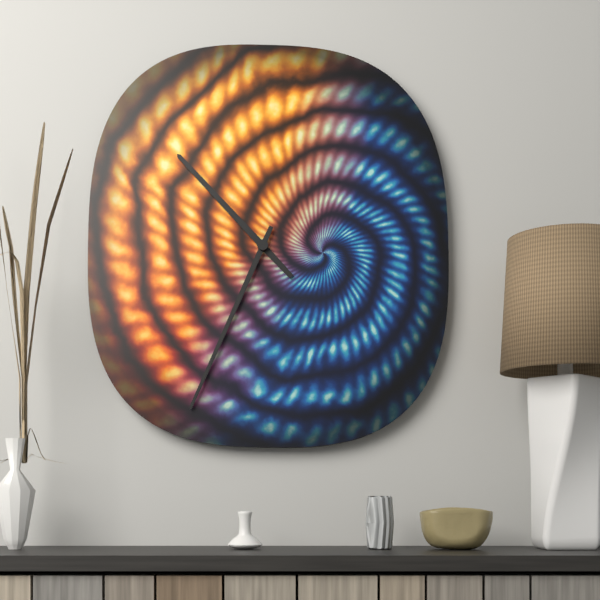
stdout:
h=10 m=34
